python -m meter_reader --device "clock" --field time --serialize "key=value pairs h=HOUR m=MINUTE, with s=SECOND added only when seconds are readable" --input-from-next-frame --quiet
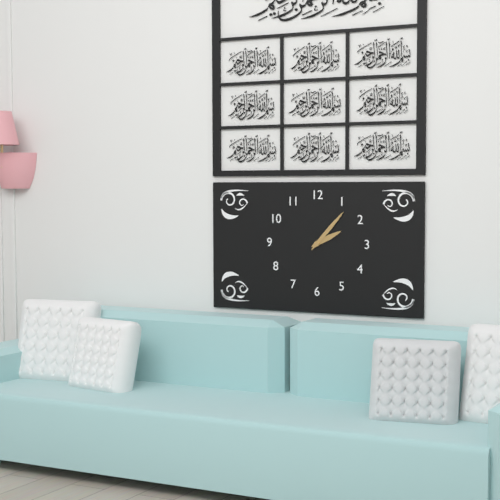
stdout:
h=2 m=7
